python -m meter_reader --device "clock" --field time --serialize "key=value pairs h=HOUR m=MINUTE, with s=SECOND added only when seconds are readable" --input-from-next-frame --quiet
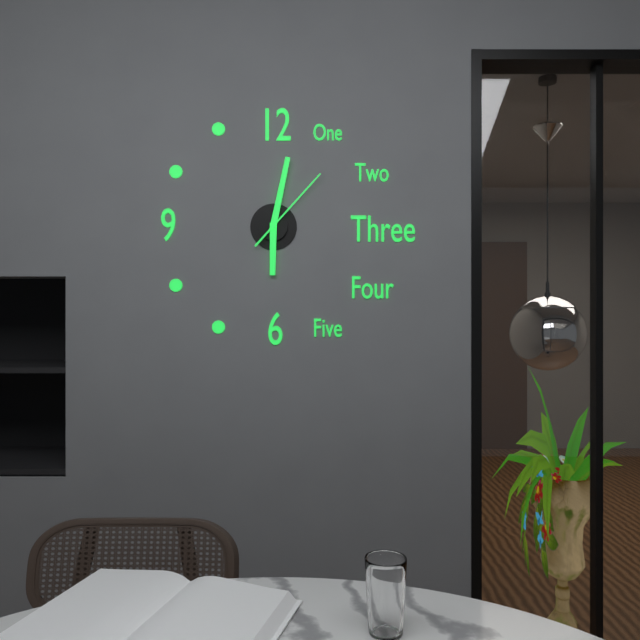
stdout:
h=6 m=2 s=7
